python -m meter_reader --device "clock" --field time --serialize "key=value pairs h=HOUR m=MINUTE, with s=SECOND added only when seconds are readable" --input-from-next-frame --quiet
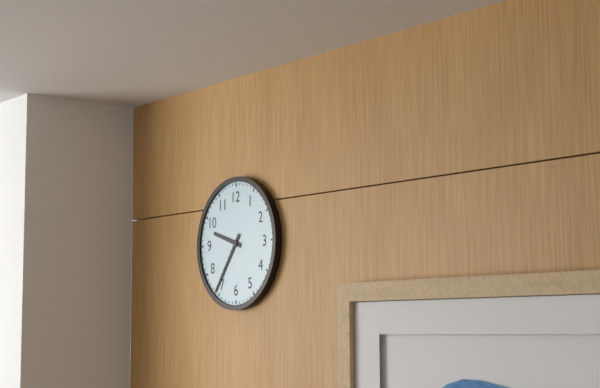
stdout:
h=9 m=36
